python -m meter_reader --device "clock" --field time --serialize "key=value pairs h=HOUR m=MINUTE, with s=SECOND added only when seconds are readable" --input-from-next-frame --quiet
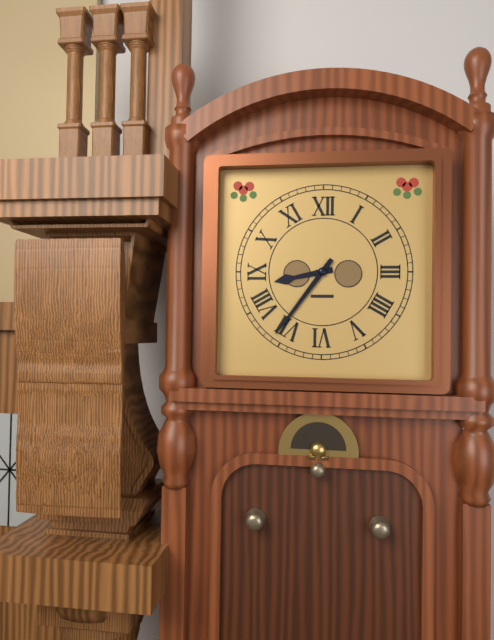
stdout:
h=8 m=36
